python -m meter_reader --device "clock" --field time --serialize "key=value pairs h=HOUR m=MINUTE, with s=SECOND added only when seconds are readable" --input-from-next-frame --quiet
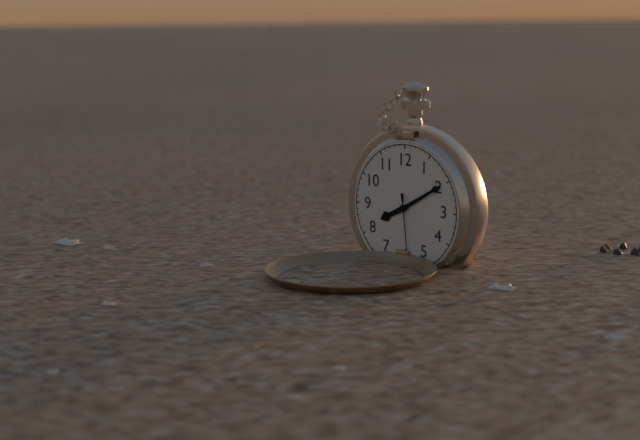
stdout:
h=8 m=10 s=29
